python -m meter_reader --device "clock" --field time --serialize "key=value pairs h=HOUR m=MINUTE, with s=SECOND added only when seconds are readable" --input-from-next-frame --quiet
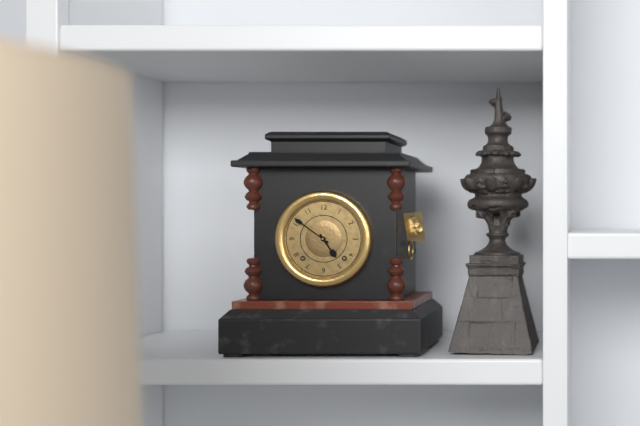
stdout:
h=4 m=51
